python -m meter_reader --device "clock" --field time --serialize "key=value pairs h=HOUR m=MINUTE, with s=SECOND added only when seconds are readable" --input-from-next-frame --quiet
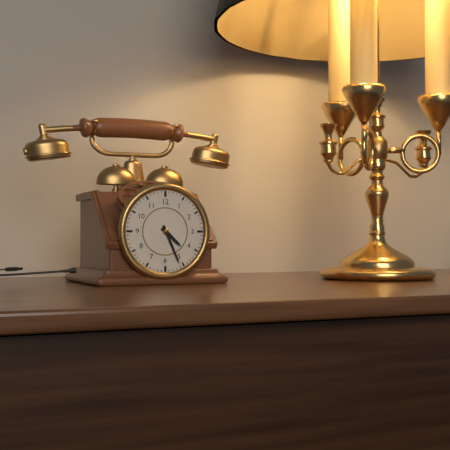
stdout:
h=4 m=26
